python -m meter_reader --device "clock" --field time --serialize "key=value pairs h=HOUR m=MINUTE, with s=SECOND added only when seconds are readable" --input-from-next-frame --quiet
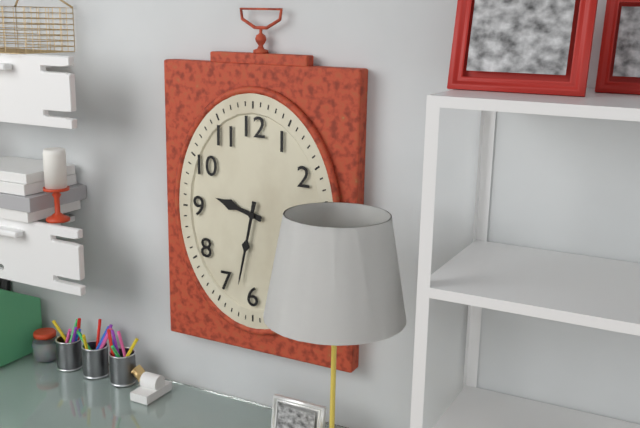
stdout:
h=9 m=32
